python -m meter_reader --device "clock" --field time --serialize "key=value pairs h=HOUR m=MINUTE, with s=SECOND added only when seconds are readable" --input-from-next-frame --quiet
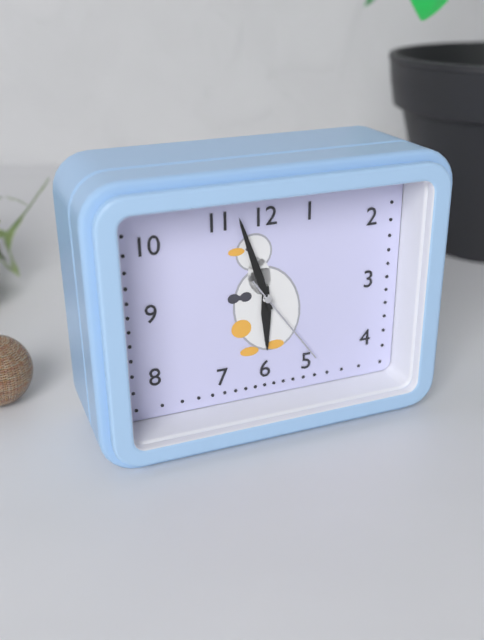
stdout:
h=5 m=57 s=24
